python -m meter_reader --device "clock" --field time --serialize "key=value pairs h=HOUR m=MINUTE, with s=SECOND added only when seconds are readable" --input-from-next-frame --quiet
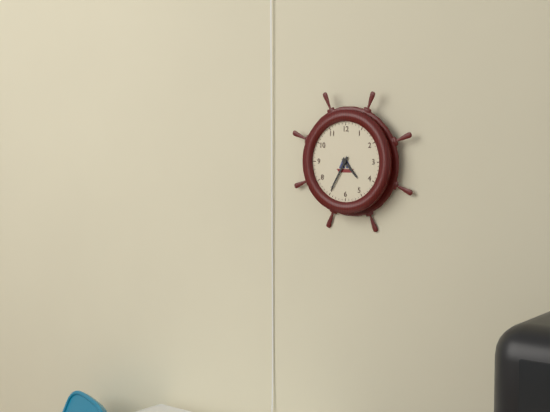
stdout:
h=4 m=35
